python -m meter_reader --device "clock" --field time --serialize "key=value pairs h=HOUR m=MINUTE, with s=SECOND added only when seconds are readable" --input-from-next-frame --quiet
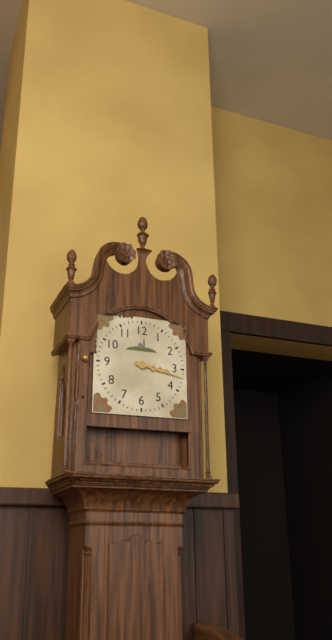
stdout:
h=3 m=17
